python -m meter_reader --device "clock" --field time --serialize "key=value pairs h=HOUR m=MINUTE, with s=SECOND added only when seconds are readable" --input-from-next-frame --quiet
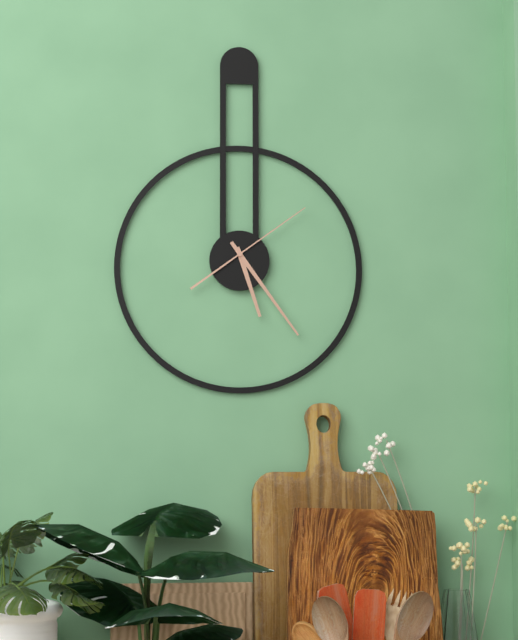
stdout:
h=5 m=24 s=9
